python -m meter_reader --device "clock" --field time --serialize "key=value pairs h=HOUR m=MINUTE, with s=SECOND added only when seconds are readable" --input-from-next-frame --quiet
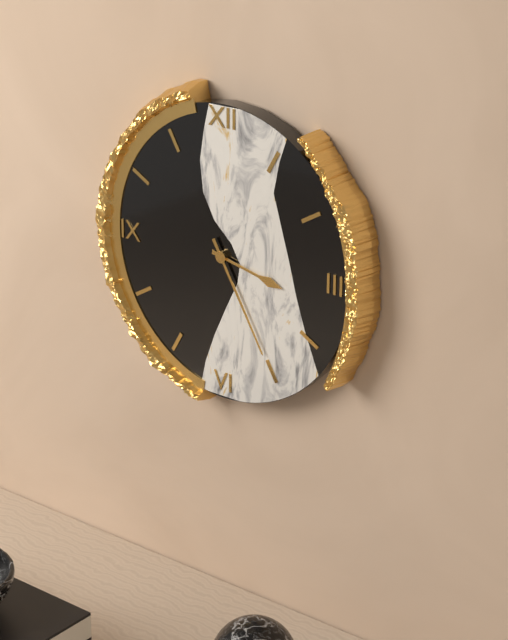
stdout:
h=3 m=25
